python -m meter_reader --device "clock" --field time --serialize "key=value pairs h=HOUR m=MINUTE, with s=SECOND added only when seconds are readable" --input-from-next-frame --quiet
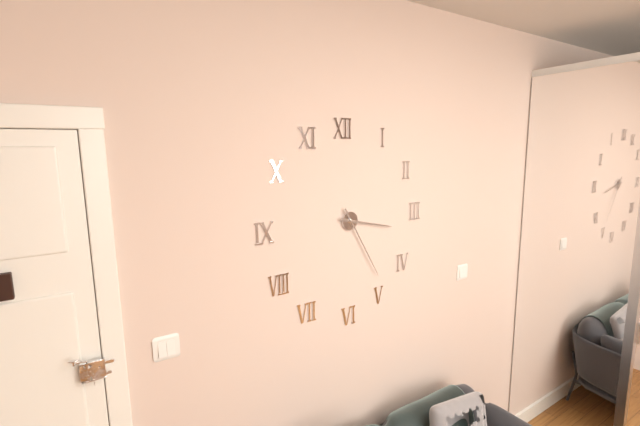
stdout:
h=3 m=25
